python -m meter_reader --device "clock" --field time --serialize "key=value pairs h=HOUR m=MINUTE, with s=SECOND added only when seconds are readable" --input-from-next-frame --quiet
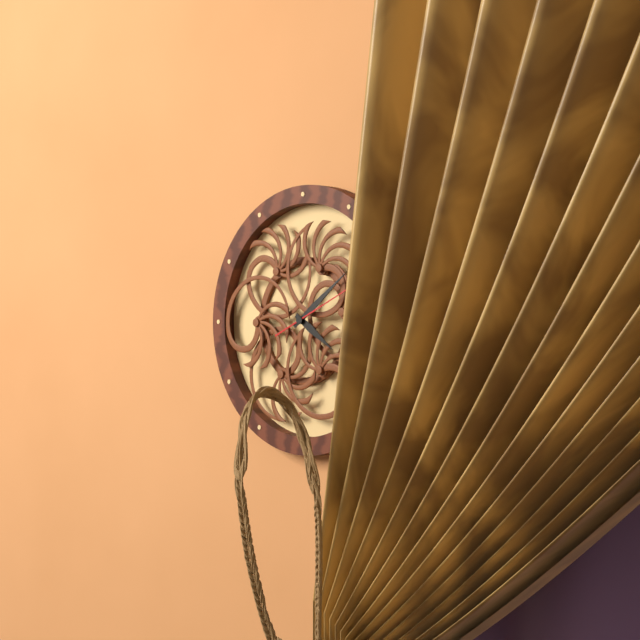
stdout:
h=4 m=9 s=11
